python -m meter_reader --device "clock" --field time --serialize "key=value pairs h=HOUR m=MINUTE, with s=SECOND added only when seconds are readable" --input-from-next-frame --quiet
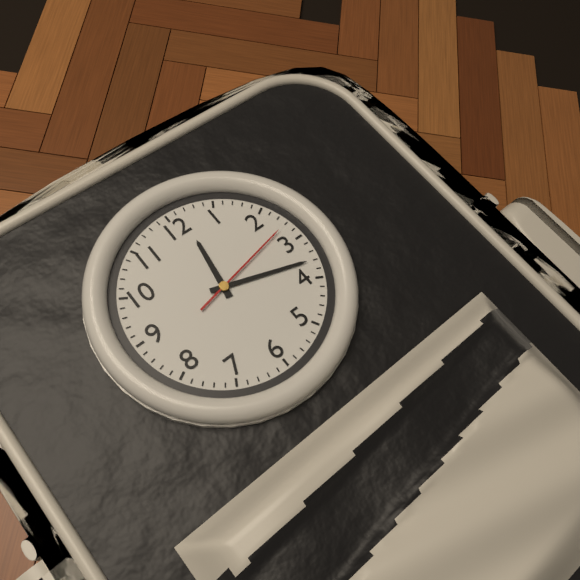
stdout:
h=12 m=18 s=13
